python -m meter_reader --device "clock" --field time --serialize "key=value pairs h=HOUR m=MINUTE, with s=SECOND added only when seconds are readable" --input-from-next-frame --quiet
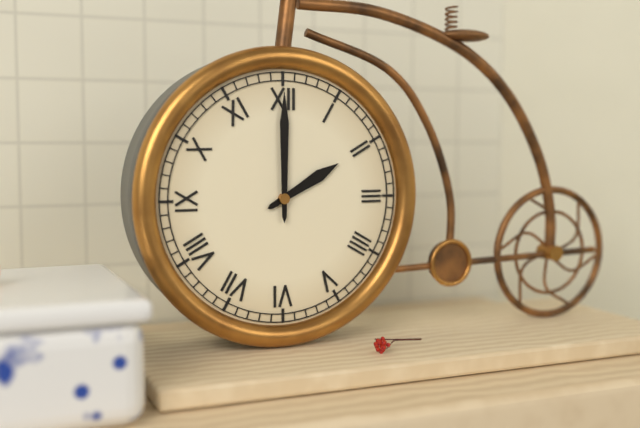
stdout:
h=2 m=0
